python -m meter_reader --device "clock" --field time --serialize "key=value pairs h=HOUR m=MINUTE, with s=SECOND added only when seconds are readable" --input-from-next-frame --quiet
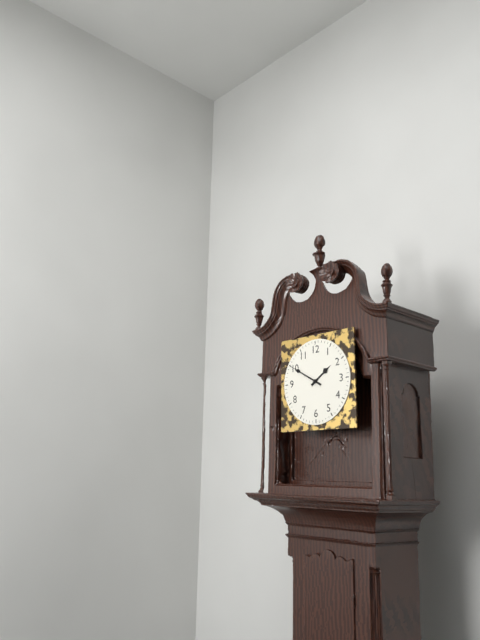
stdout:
h=1 m=50
